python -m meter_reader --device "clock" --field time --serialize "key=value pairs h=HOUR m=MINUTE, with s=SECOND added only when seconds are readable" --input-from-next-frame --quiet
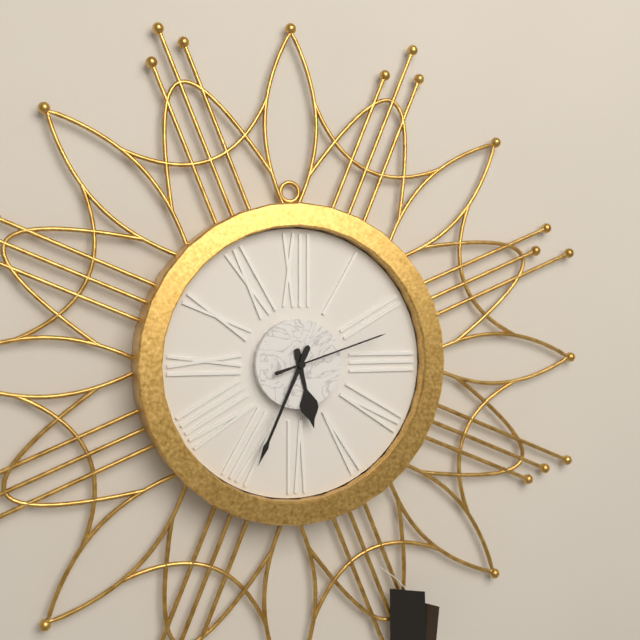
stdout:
h=5 m=34 s=12
